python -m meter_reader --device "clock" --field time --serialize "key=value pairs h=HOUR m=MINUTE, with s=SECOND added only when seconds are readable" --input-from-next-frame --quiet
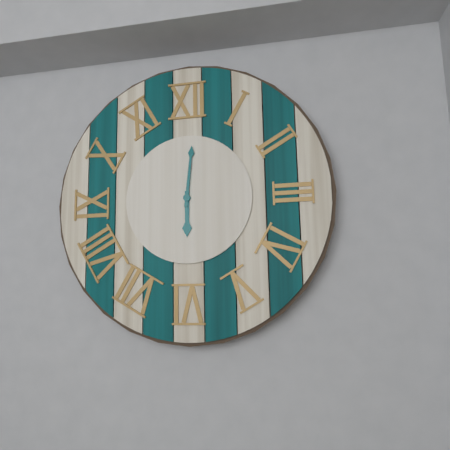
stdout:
h=6 m=1
